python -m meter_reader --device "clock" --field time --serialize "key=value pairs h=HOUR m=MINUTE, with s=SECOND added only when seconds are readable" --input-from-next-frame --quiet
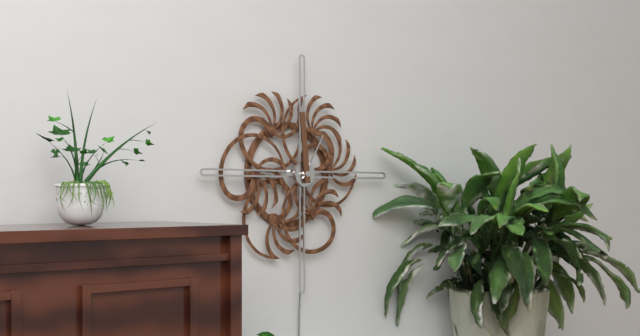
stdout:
h=12 m=59
